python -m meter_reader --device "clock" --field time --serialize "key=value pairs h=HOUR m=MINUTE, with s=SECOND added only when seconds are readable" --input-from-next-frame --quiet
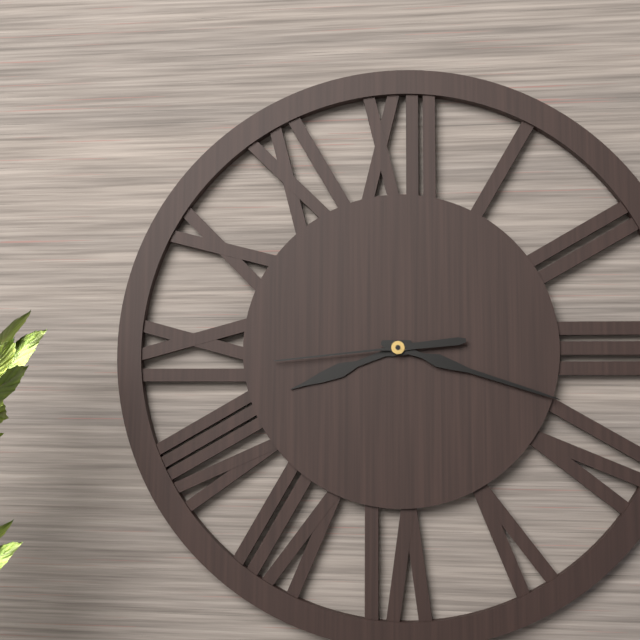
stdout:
h=8 m=18 s=44
